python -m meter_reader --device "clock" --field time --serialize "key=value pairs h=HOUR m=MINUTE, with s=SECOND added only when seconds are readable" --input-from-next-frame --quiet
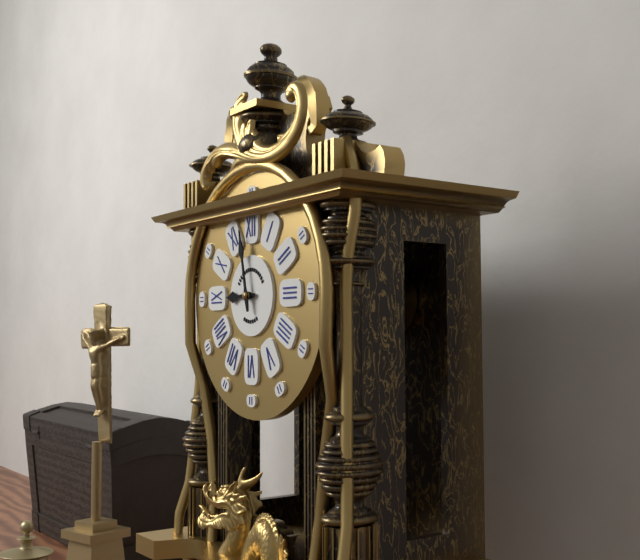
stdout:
h=8 m=58
